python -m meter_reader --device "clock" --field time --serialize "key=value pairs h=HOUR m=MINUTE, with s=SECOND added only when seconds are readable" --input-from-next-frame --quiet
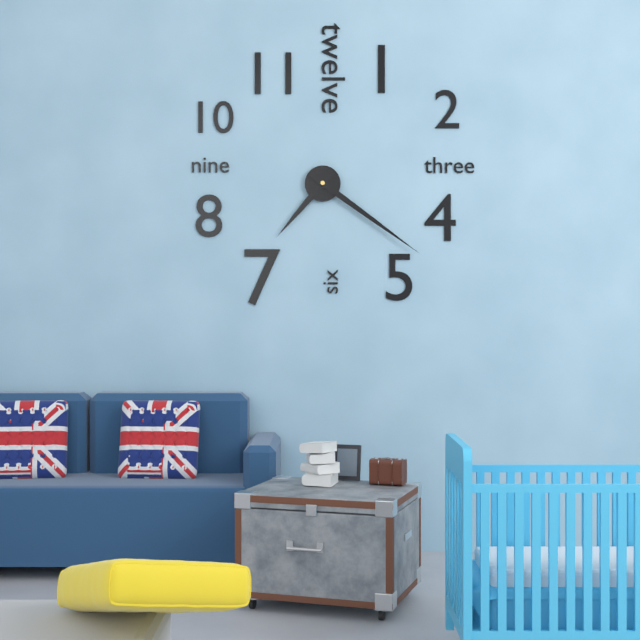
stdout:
h=7 m=21
